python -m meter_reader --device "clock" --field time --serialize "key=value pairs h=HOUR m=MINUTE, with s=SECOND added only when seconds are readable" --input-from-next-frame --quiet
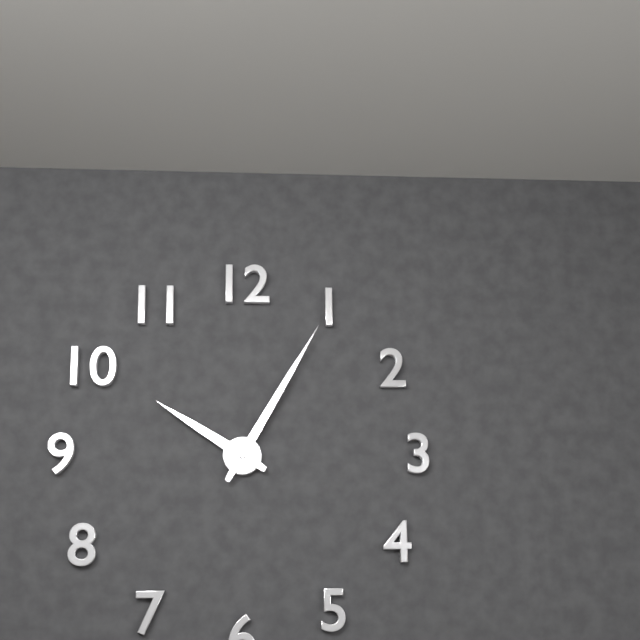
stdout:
h=10 m=5
